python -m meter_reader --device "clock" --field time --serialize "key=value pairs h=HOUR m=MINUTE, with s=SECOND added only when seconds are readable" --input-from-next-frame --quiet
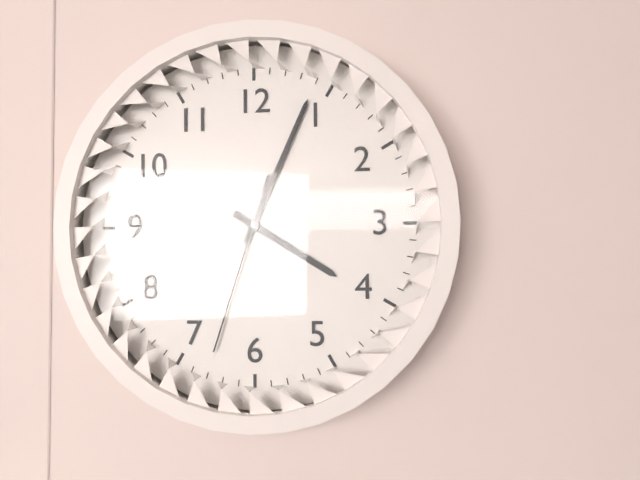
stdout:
h=4 m=4 s=33
